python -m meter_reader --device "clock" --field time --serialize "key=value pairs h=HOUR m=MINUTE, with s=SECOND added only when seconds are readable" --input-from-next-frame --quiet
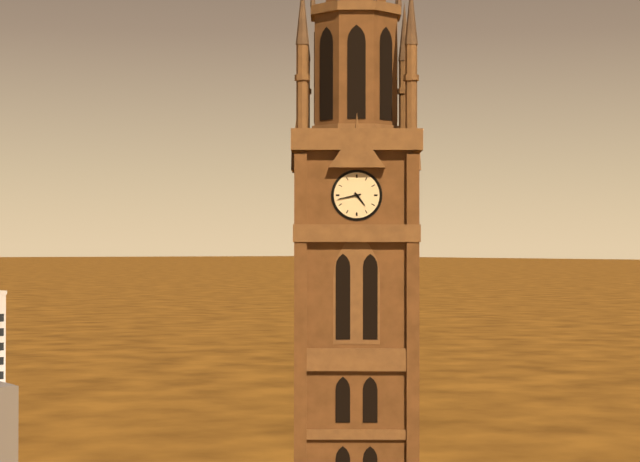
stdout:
h=4 m=43
